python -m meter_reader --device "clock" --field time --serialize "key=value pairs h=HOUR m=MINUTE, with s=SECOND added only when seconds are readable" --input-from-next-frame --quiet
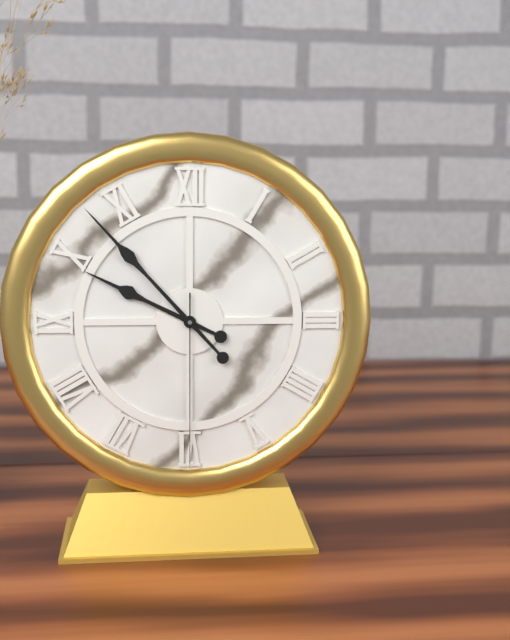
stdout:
h=9 m=53 s=30
